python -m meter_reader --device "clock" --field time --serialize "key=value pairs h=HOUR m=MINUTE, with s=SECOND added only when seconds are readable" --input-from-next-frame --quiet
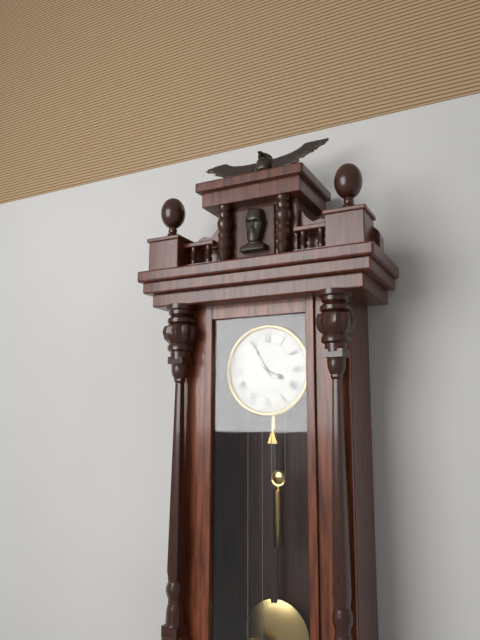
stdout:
h=3 m=55
